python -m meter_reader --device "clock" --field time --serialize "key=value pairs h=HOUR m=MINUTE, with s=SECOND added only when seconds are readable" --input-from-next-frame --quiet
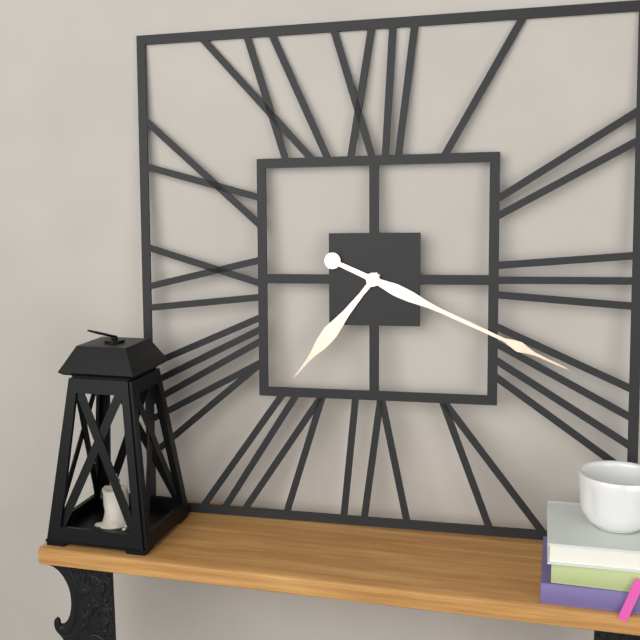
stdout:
h=7 m=19
